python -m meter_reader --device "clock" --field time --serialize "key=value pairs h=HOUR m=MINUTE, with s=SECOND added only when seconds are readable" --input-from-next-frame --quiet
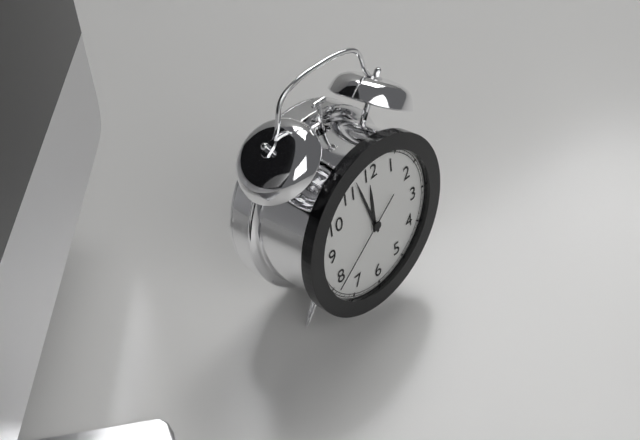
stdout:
h=11 m=57 s=39
